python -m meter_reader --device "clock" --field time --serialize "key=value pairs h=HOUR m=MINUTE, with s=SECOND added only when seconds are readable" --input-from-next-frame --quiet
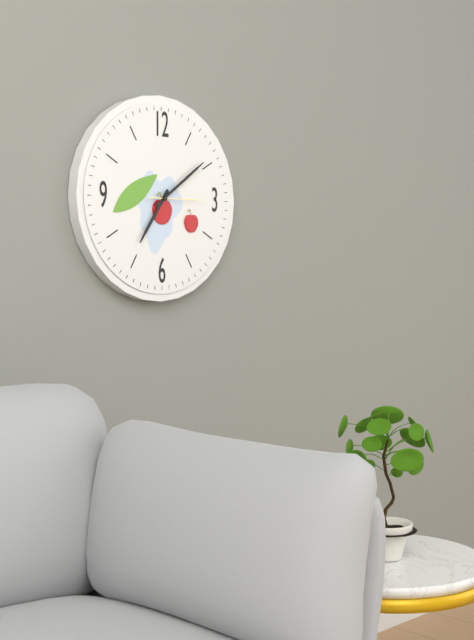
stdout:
h=7 m=9
